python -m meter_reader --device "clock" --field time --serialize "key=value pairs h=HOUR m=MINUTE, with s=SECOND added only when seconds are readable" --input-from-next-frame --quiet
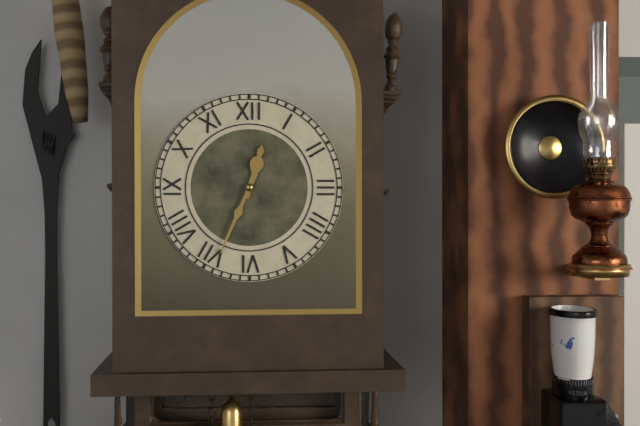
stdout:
h=12 m=34
